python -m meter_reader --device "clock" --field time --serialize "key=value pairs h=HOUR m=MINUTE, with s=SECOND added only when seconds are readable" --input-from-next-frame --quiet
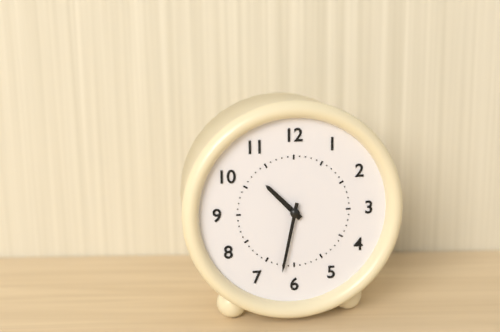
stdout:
h=10 m=32
